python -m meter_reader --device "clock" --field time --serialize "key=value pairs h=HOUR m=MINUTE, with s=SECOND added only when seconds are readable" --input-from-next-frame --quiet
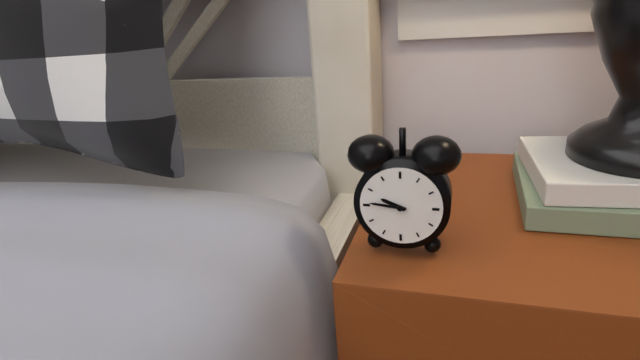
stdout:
h=9 m=46
